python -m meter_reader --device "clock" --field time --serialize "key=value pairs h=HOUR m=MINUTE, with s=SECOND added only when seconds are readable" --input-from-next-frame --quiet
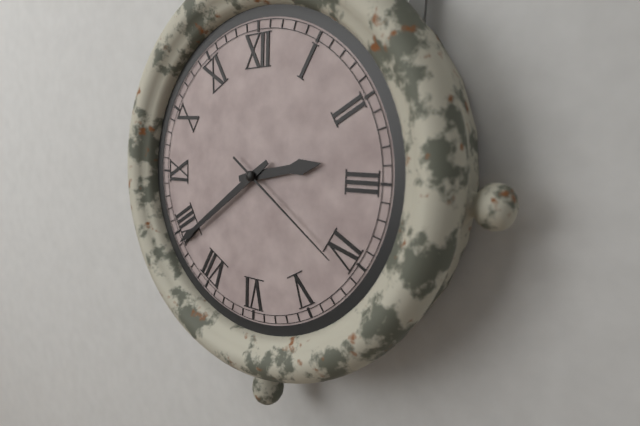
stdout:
h=2 m=39 s=21
